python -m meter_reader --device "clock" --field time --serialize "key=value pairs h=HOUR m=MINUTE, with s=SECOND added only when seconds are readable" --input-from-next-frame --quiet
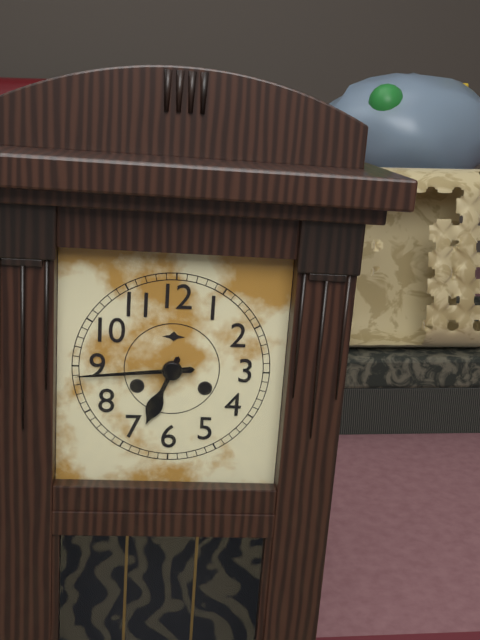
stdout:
h=6 m=44
